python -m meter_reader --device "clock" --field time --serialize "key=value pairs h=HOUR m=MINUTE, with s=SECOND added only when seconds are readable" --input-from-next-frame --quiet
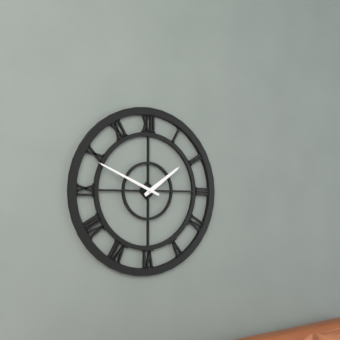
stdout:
h=1 m=49
